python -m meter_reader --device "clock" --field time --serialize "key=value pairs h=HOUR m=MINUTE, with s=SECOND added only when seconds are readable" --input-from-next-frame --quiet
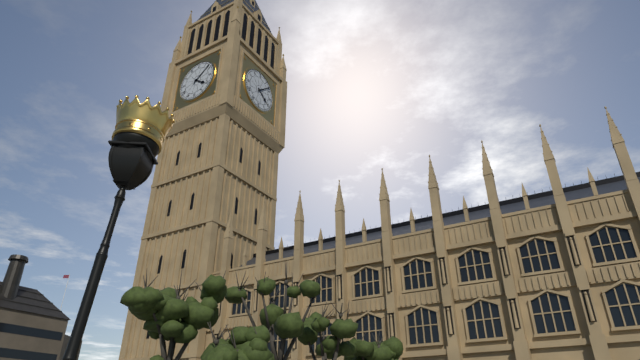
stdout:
h=4 m=8
